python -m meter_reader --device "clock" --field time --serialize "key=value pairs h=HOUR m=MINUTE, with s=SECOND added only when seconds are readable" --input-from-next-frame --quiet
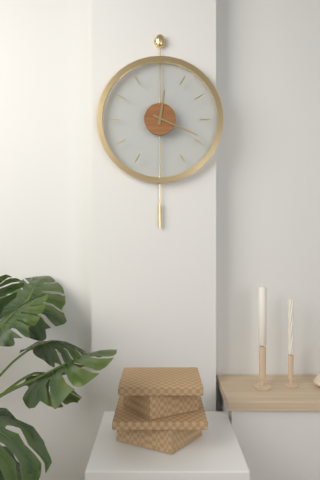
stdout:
h=12 m=19
